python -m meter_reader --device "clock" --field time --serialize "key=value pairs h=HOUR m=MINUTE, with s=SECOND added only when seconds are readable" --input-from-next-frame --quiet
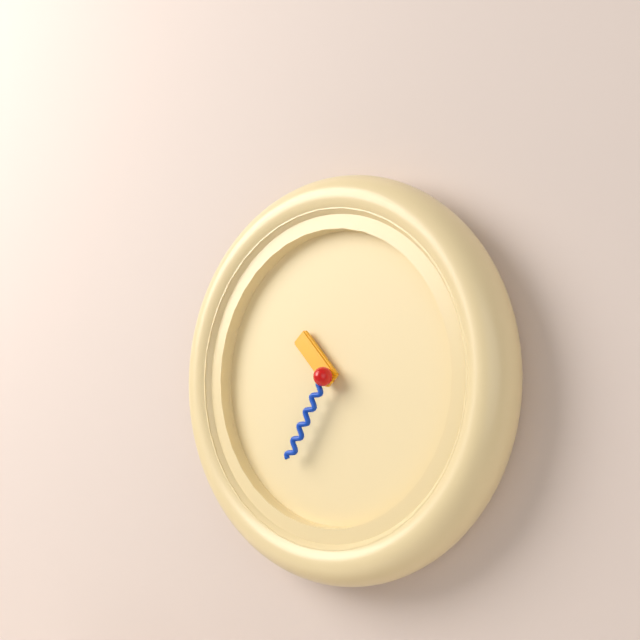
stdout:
h=10 m=35
